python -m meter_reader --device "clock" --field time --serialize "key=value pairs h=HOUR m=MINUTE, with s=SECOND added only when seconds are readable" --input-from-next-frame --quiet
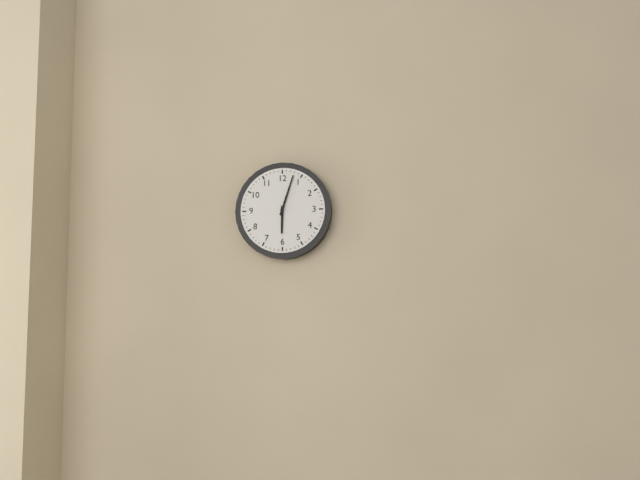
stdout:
h=6 m=3
